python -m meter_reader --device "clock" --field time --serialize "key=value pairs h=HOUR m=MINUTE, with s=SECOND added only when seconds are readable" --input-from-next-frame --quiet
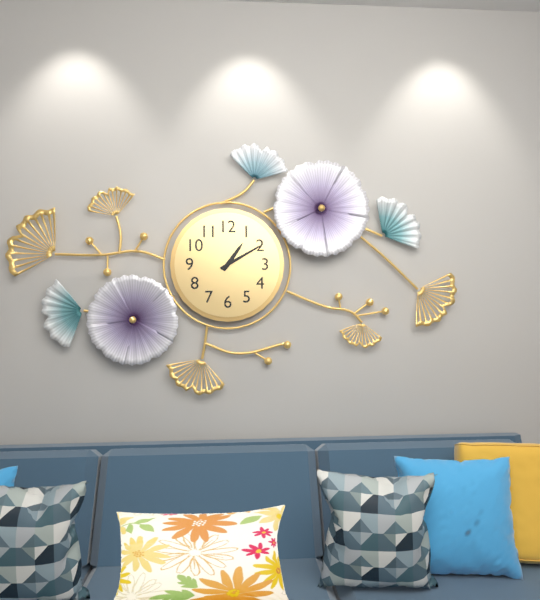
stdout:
h=1 m=10
